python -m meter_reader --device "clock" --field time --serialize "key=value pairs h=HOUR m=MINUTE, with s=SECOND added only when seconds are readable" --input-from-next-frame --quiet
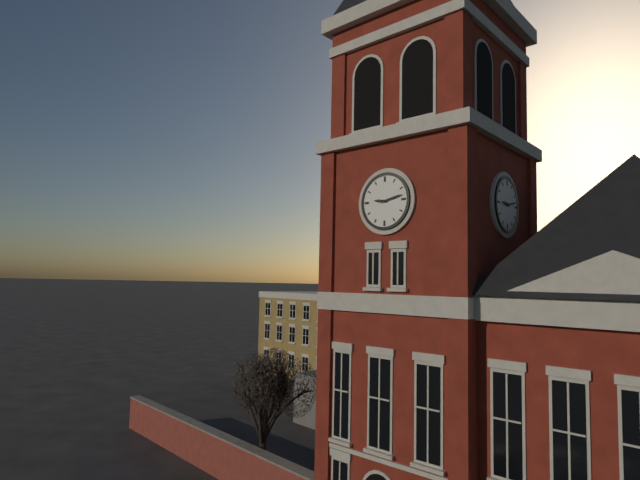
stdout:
h=9 m=13
